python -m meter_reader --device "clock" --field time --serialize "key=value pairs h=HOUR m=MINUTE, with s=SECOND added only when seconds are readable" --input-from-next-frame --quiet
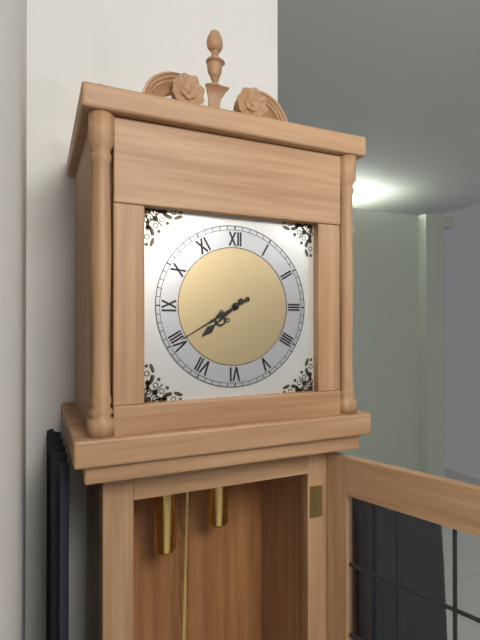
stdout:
h=7 m=40
